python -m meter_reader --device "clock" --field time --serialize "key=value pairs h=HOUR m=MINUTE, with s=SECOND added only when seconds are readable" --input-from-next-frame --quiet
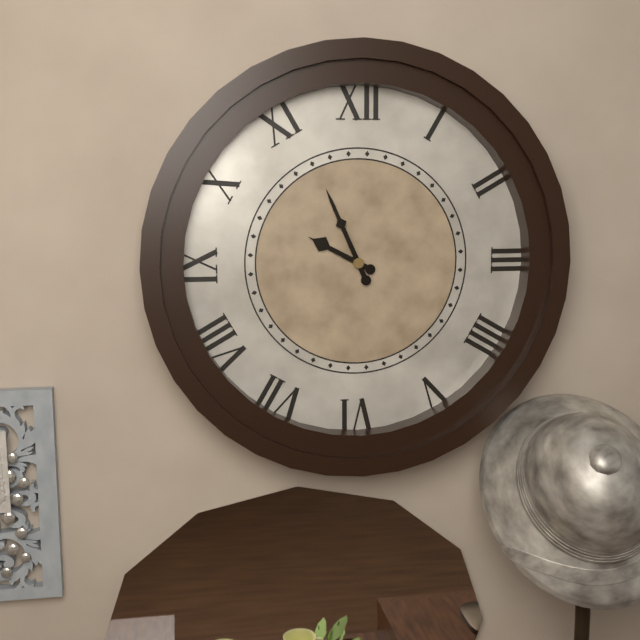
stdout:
h=9 m=56
